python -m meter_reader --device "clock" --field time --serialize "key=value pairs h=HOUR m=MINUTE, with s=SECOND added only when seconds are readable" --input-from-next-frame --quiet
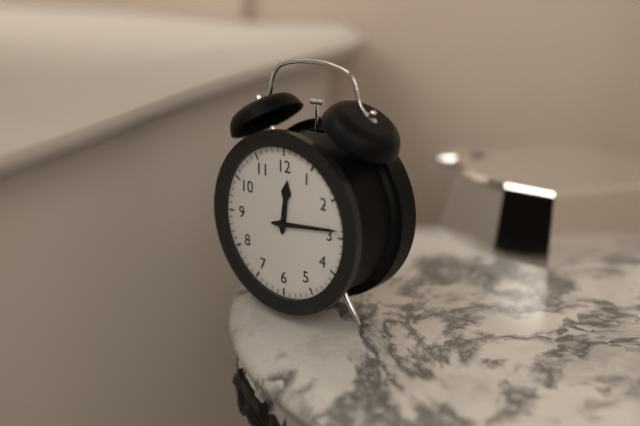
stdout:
h=12 m=14
